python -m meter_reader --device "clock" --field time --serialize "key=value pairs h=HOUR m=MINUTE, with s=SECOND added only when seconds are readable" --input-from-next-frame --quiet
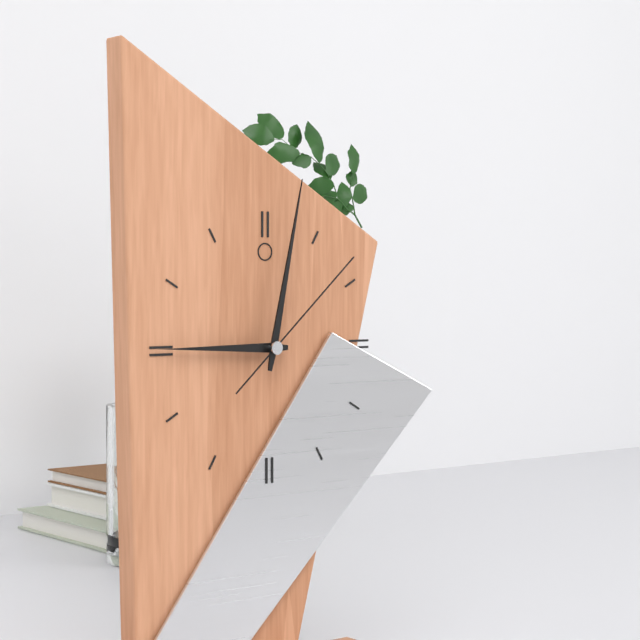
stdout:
h=9 m=2 s=8
